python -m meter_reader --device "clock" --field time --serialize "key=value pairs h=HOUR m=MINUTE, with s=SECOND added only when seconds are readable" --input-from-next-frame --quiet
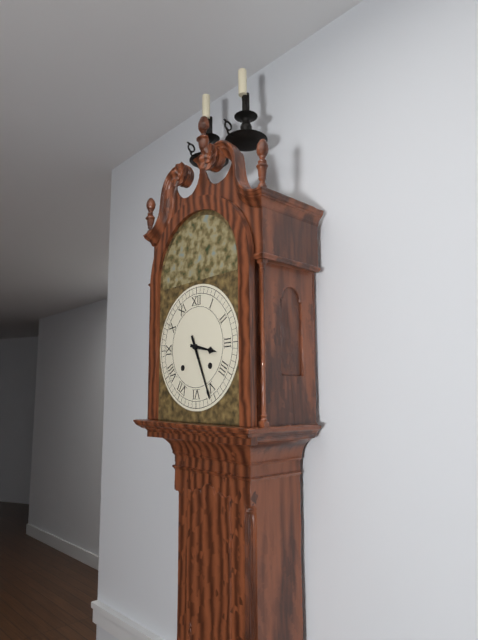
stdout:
h=3 m=26
